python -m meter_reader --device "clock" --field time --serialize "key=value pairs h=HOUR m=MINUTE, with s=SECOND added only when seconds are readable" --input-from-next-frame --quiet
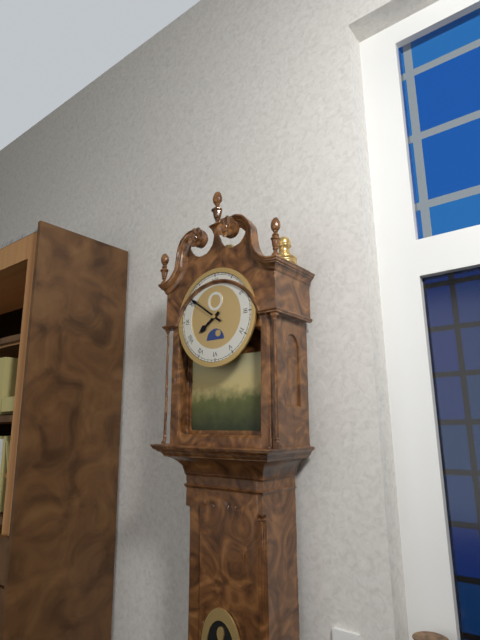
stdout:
h=7 m=51
